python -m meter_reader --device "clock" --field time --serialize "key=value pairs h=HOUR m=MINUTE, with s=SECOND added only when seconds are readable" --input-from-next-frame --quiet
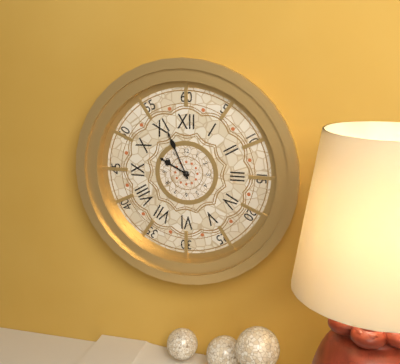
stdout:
h=9 m=56
